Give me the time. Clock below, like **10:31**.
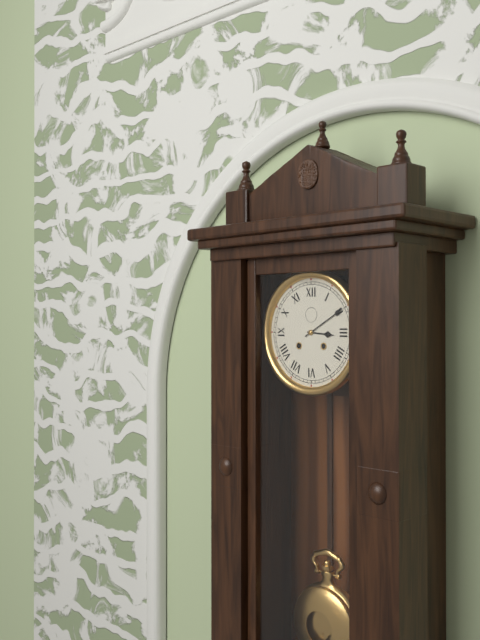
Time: **3:10**
